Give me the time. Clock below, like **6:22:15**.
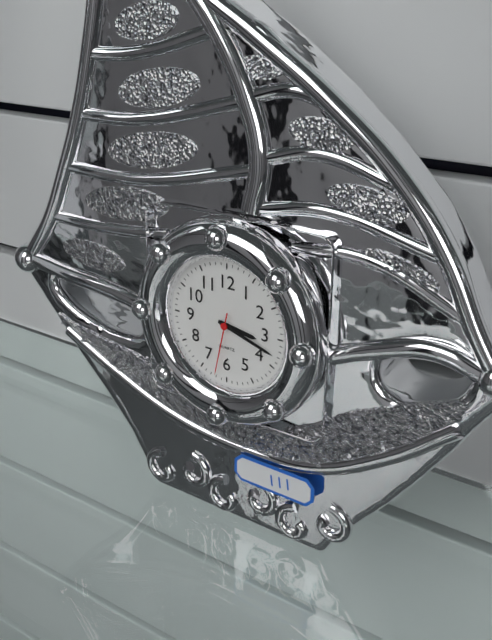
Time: **3:18:32**
